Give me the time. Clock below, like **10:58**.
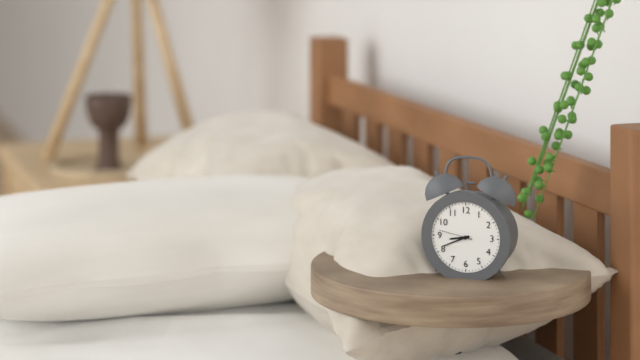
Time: **8:41**
